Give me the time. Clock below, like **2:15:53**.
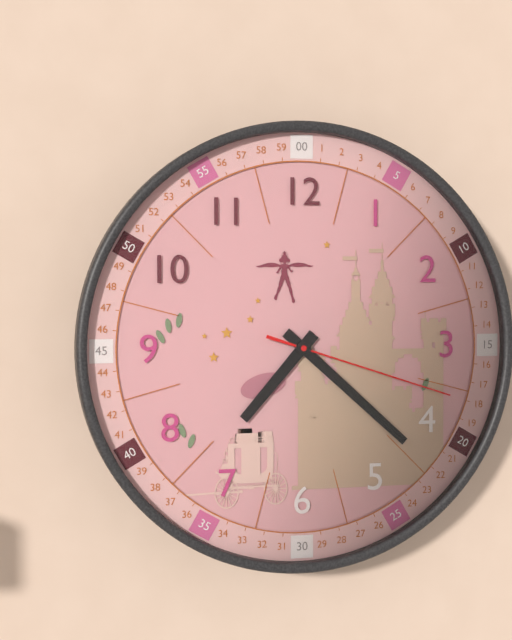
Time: **7:22:18**
